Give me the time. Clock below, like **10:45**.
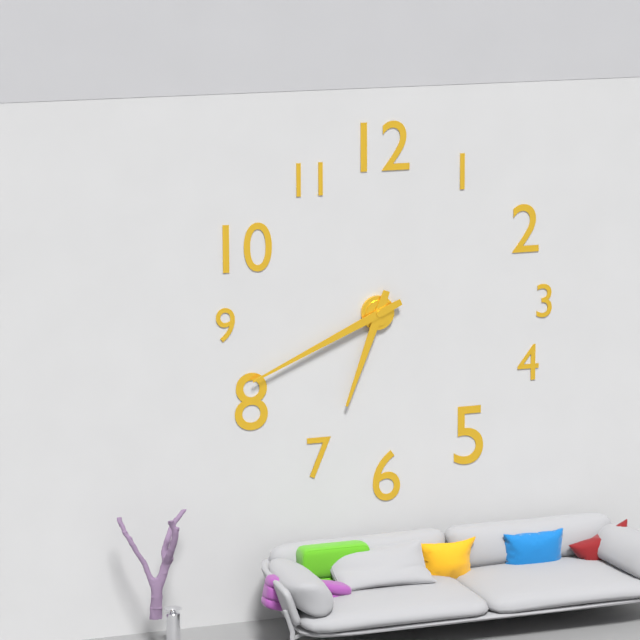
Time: **6:41**
